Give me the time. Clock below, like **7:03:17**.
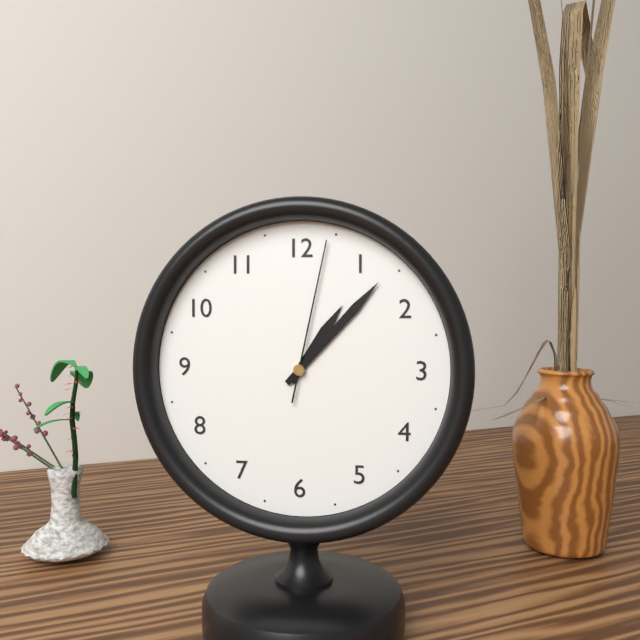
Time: **1:07:02**
